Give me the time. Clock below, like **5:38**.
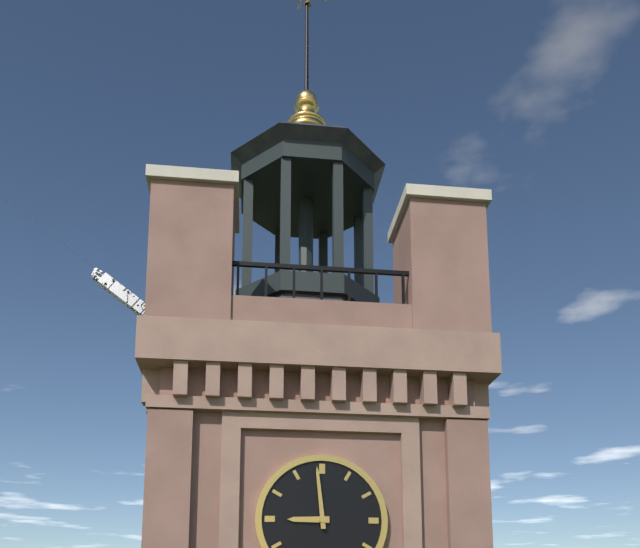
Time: **8:59**
